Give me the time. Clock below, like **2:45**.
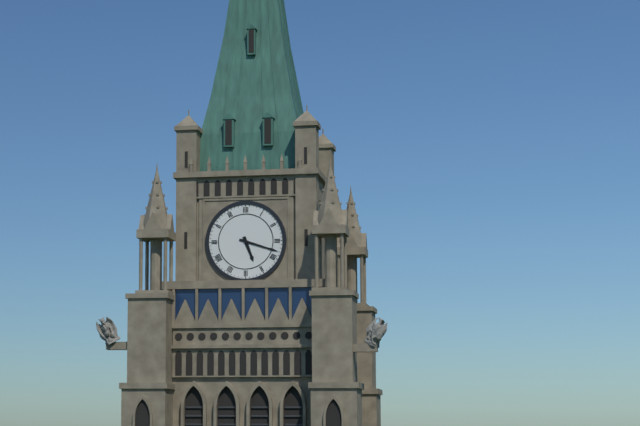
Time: **5:18**
